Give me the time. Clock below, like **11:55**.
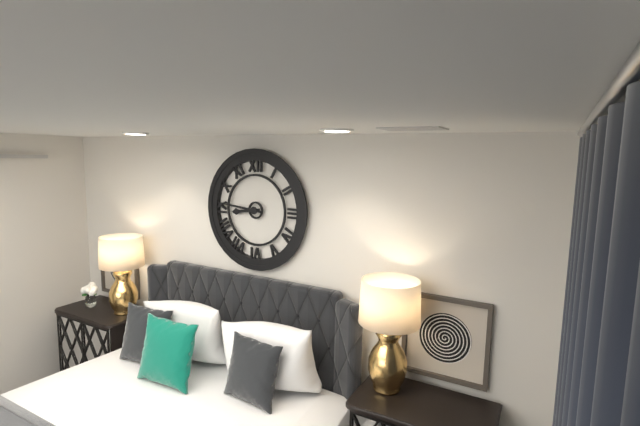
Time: **8:46**
